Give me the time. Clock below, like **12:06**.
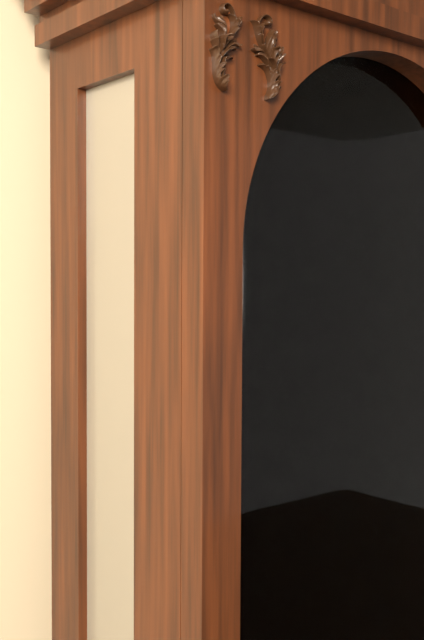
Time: **12:00**
